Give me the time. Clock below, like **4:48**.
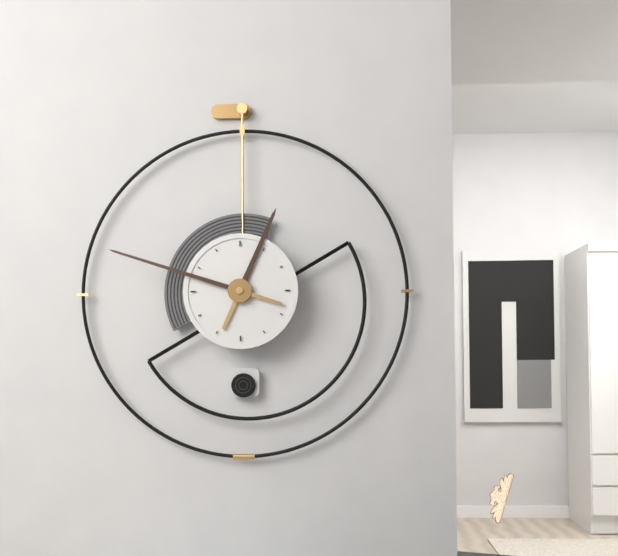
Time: **12:48**
